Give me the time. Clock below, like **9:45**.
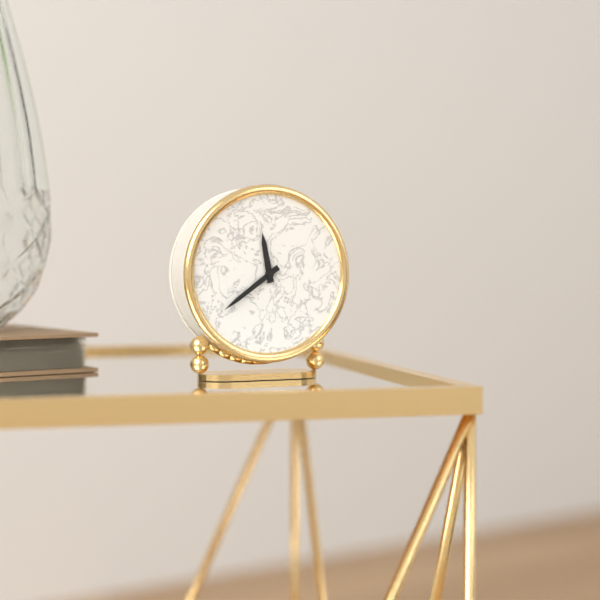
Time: **11:39**
